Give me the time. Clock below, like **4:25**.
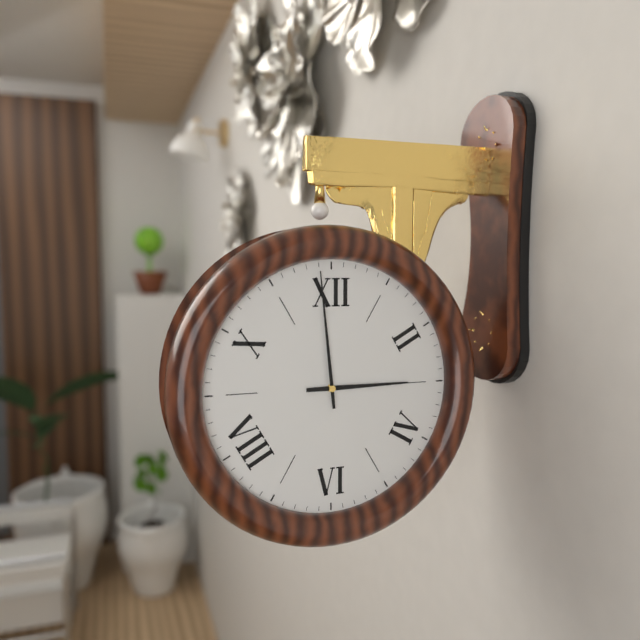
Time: **2:59**
